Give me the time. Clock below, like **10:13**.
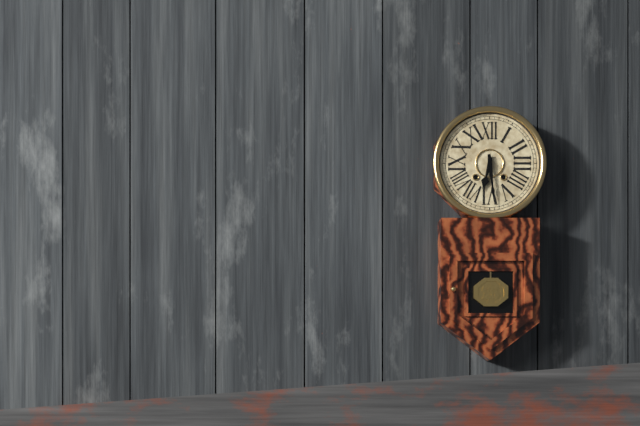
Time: **6:29**
